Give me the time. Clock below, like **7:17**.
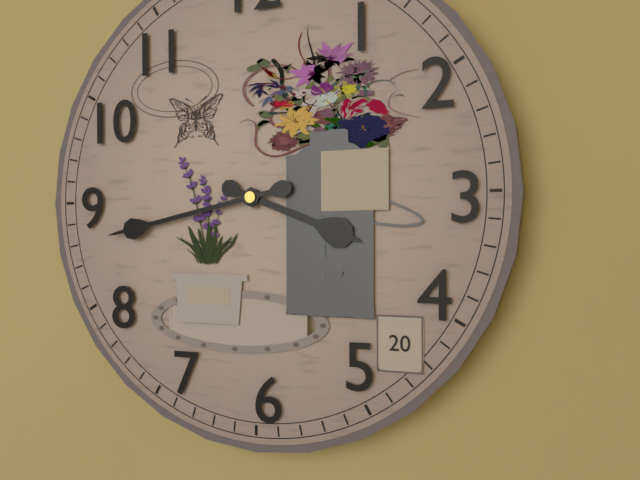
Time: **3:43**
